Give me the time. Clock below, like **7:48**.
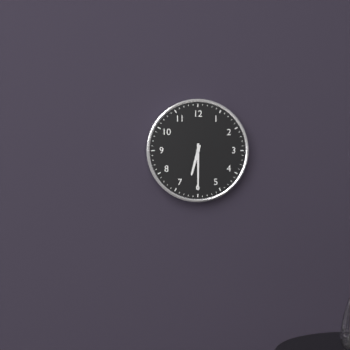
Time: **6:30**
